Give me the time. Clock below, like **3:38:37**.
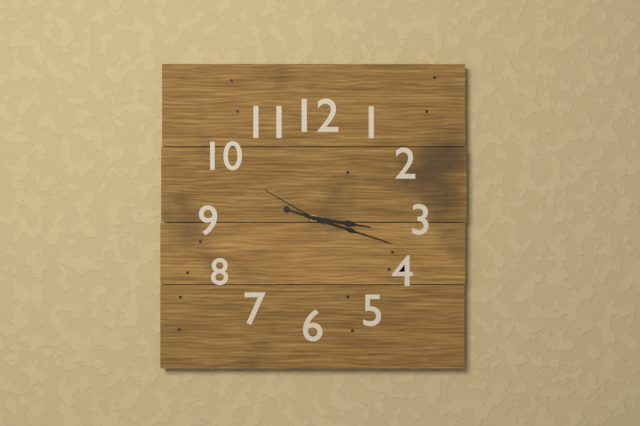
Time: **3:18:50**
